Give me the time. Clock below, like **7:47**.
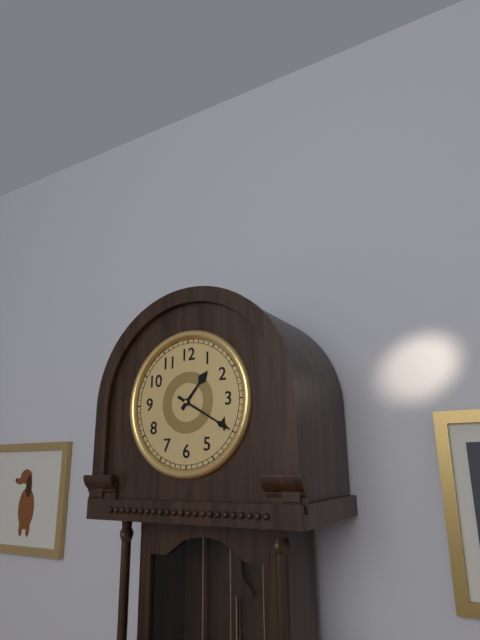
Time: **1:20**
